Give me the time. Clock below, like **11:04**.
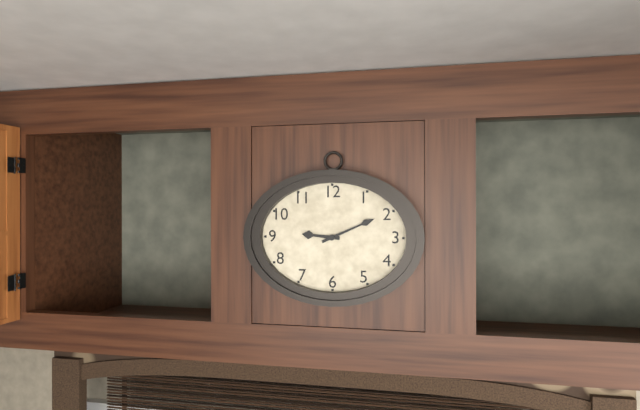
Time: **9:11**
